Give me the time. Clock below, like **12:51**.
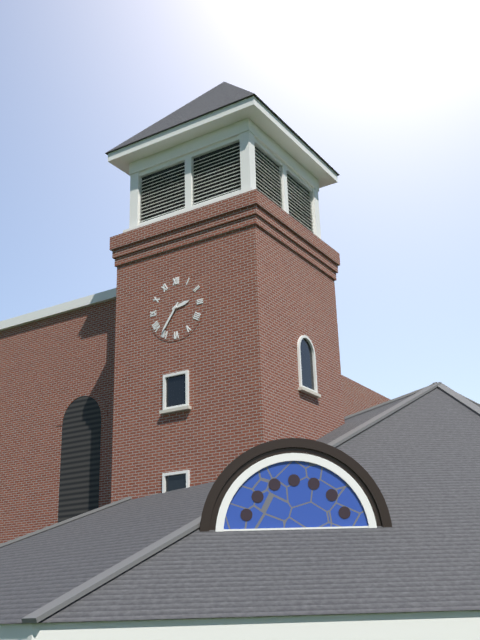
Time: **2:36**
